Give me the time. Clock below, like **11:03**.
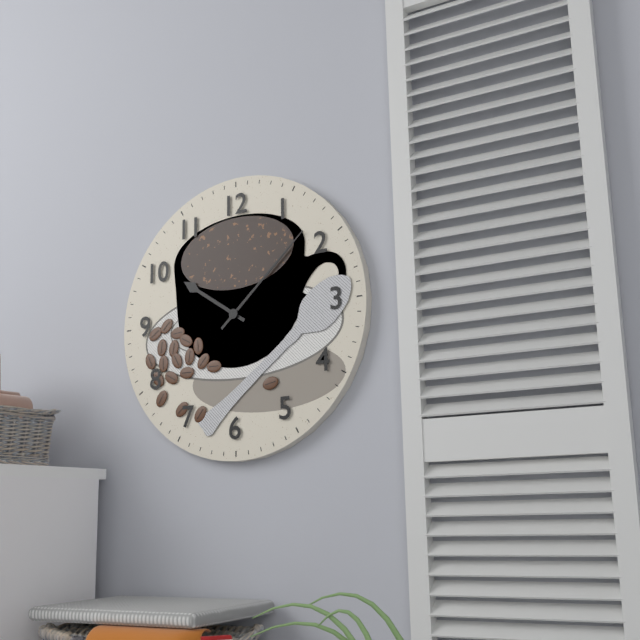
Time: **10:08**
